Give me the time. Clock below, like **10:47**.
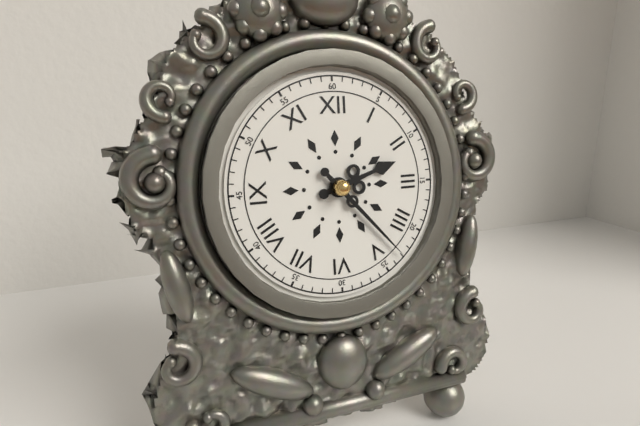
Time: **2:23**
